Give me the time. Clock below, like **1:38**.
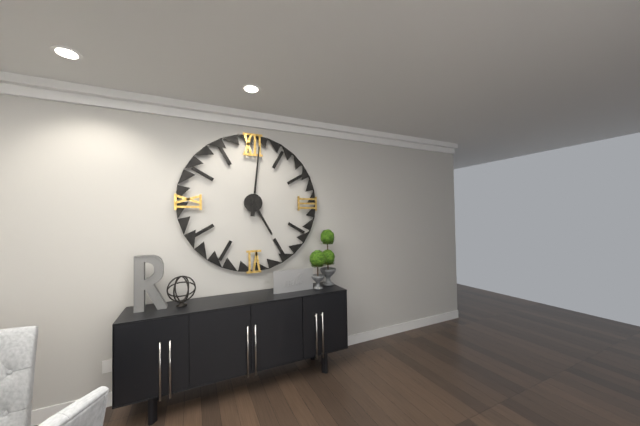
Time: **5:01**
